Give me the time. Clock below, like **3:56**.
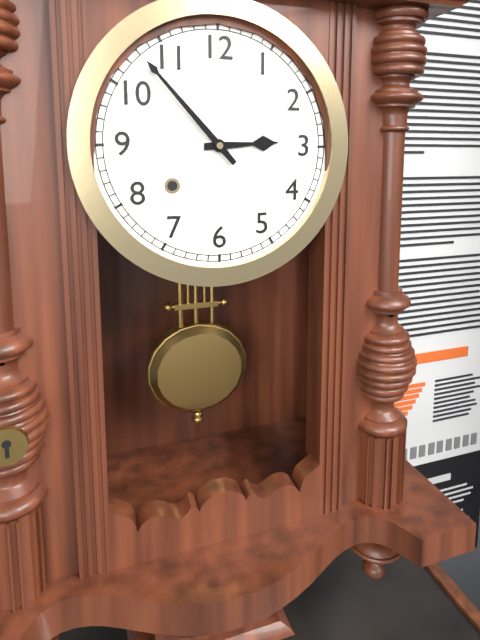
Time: **2:53**
